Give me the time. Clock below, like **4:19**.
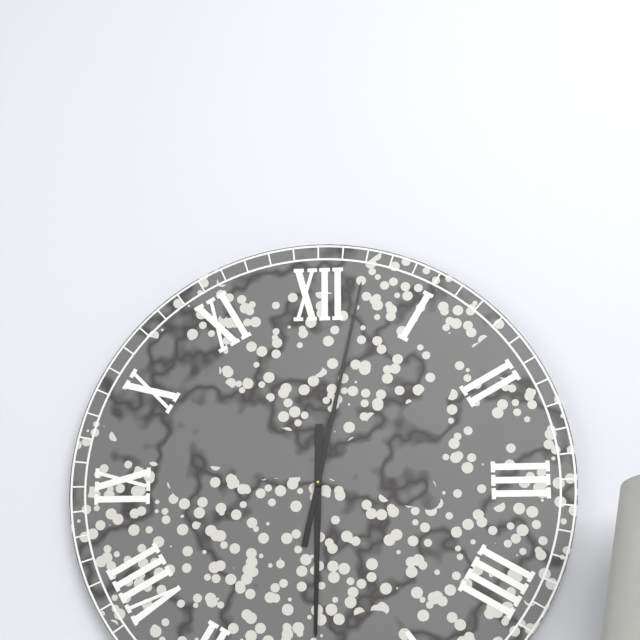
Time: **6:02**
